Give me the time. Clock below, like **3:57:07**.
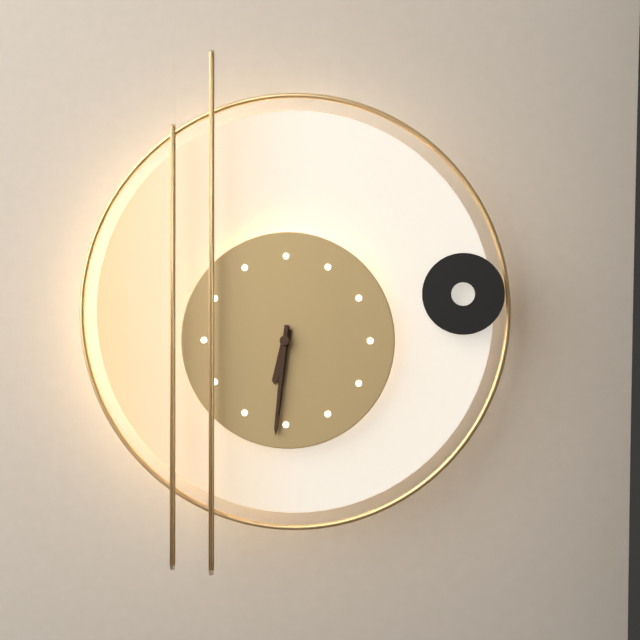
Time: **6:31:31**
